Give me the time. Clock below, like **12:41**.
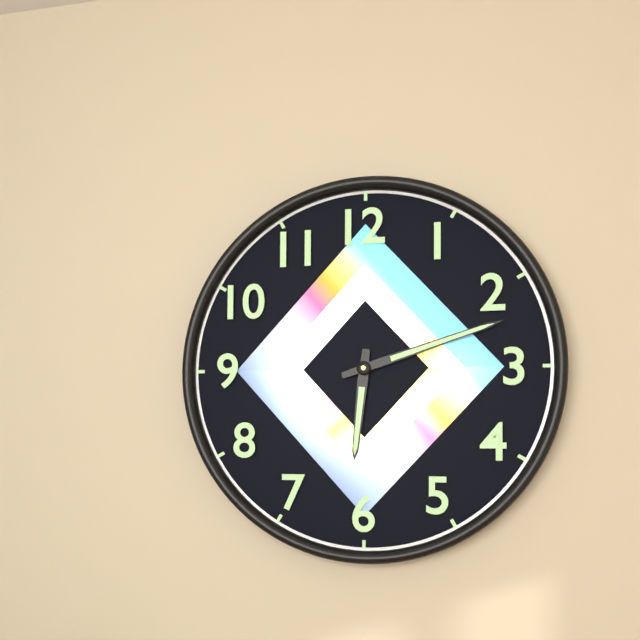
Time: **6:12**
